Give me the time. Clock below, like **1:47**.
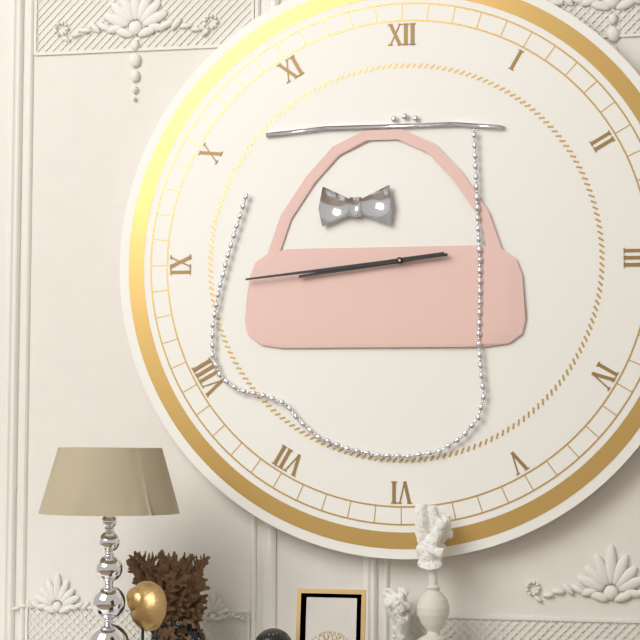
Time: **8:44**
